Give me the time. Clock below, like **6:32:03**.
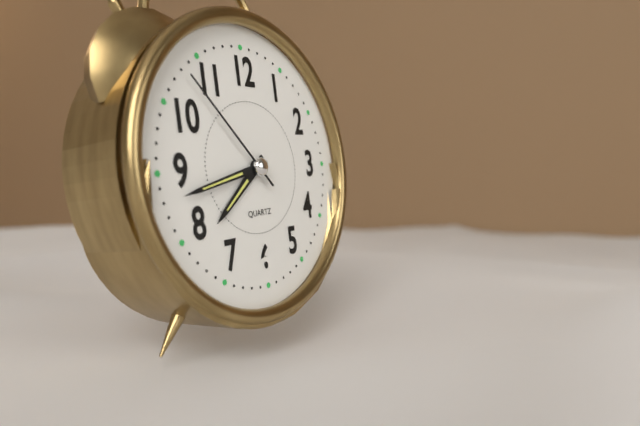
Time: **7:43:53**
